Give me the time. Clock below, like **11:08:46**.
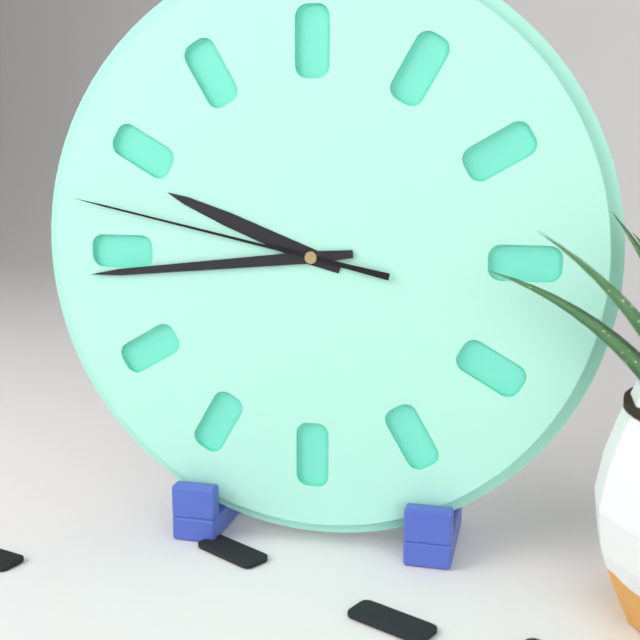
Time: **9:44:47**
